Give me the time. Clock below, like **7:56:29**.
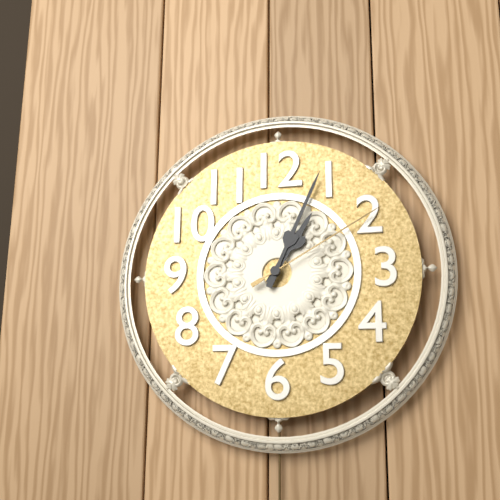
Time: **1:04:10**
